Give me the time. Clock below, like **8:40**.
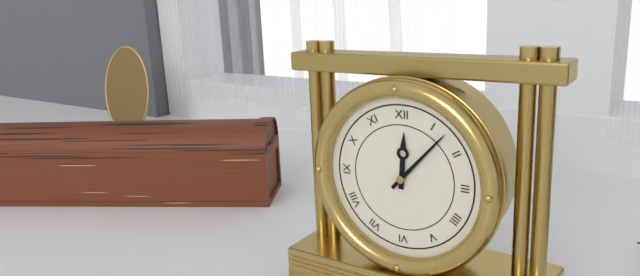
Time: **12:07**
